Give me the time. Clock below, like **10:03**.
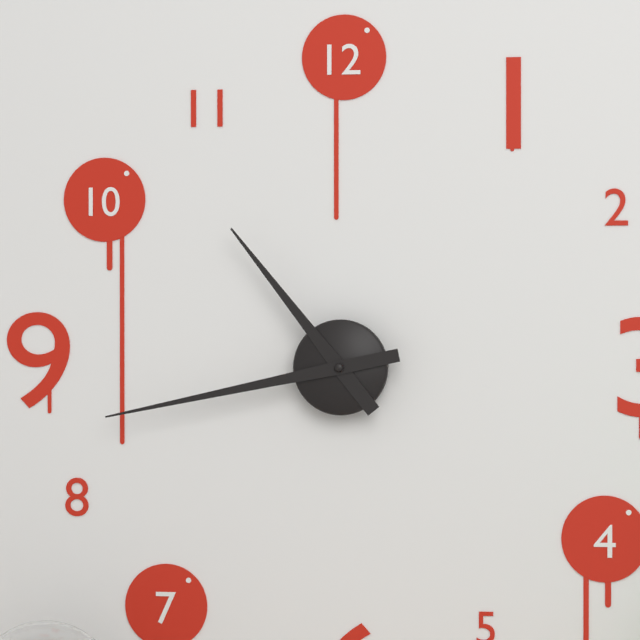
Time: **10:43**
